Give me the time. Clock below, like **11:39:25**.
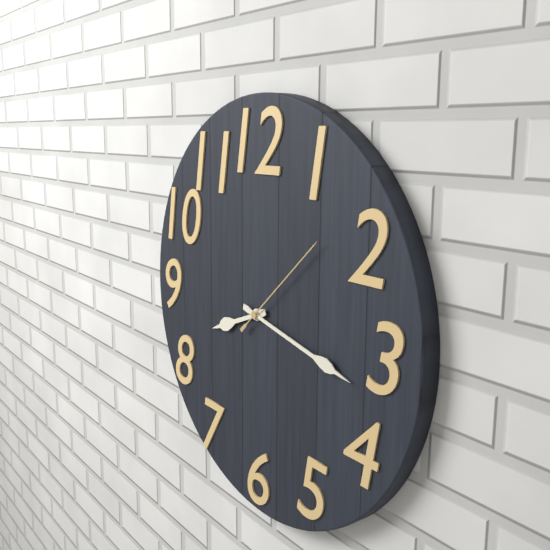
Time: **8:17:08**
